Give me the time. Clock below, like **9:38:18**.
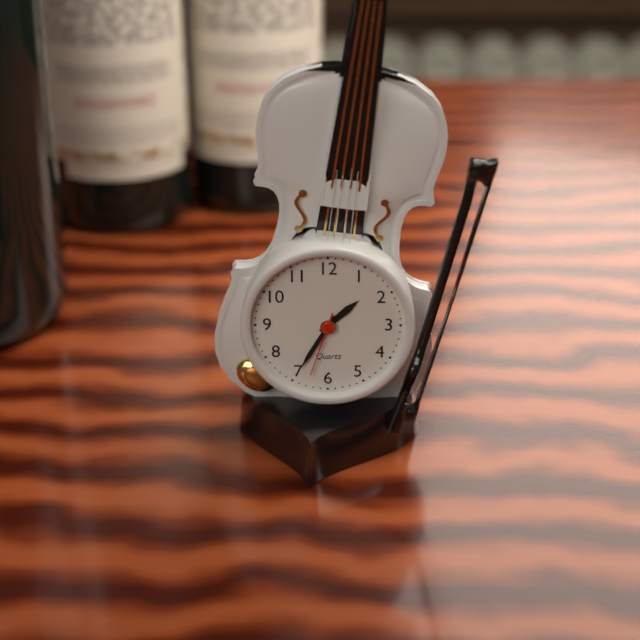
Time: **1:35:33**
